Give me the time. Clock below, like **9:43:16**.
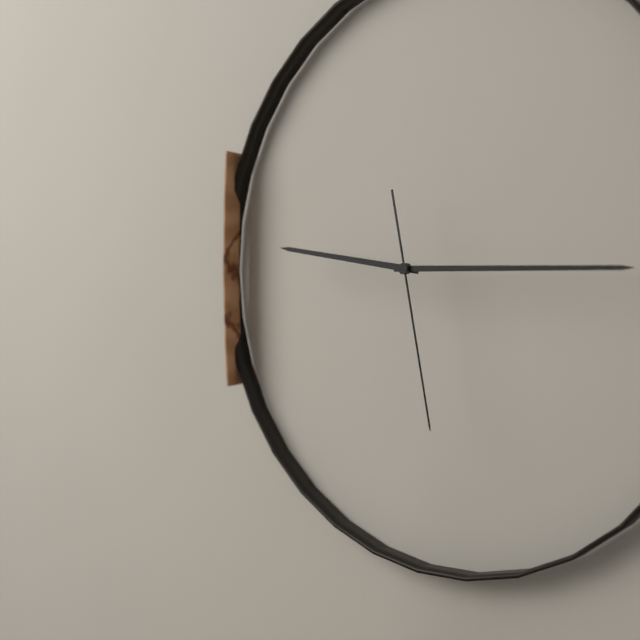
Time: **9:15:28**
